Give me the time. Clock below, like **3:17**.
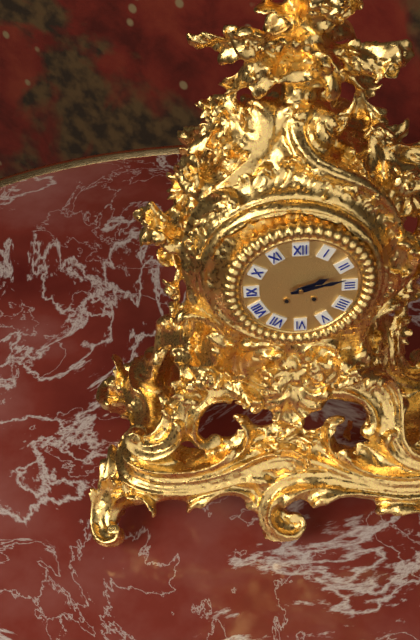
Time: **2:13**
